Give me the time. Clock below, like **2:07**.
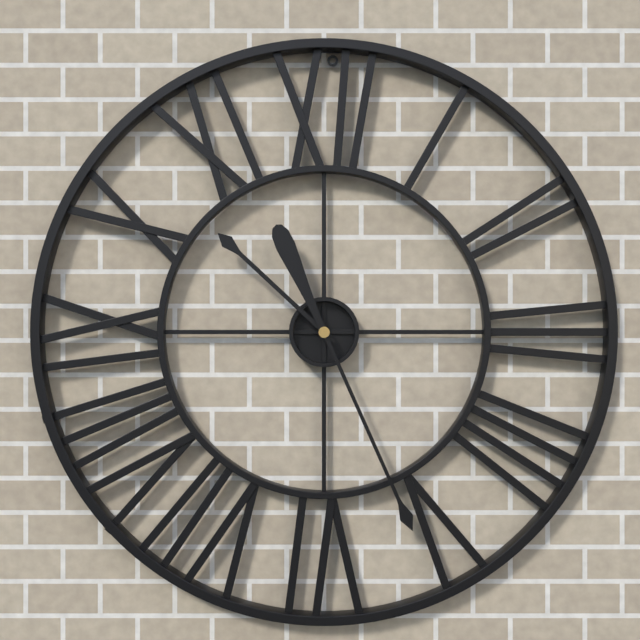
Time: **10:26**
